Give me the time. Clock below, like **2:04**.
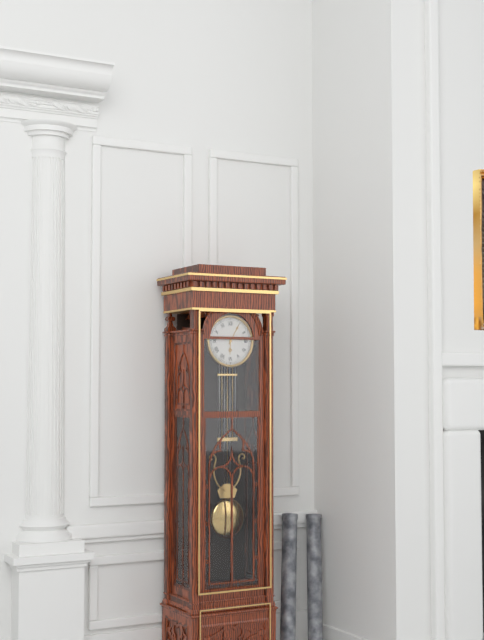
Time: **6:05**
